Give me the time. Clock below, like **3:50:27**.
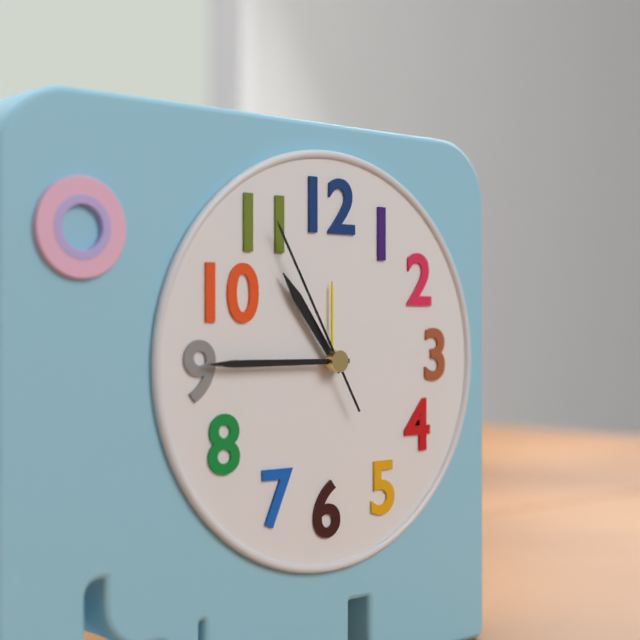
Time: **10:45:55**
